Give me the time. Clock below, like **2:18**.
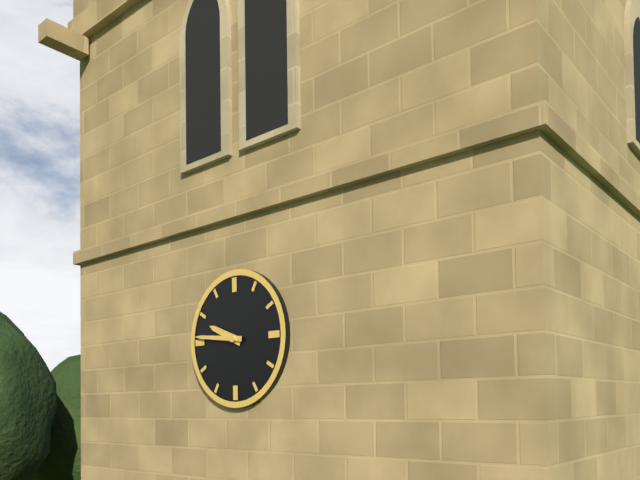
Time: **9:46**
